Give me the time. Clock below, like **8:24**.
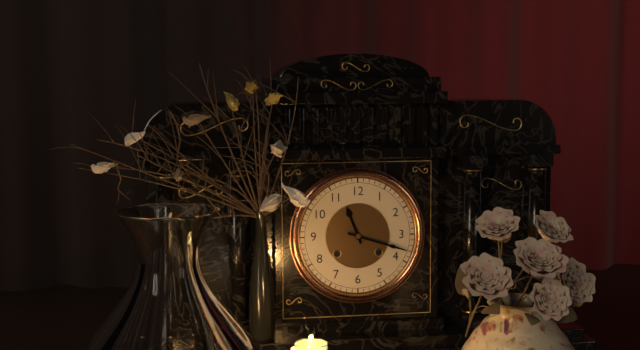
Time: **11:18**
